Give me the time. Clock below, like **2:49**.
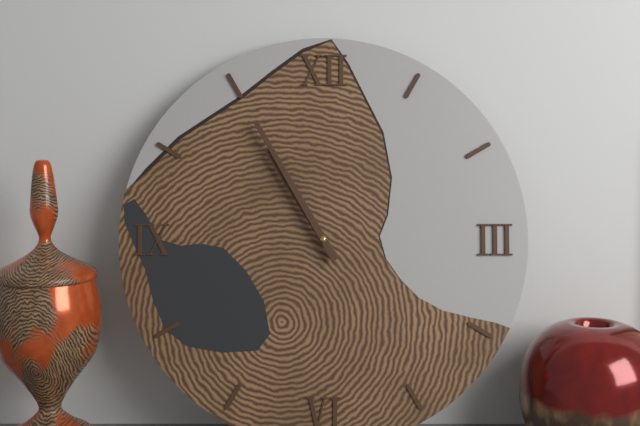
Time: **10:55**
